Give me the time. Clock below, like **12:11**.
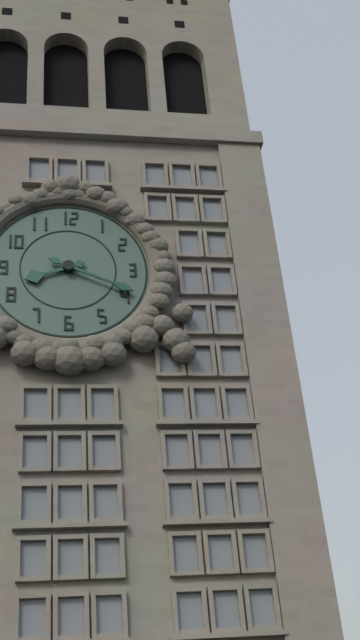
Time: **8:19**
